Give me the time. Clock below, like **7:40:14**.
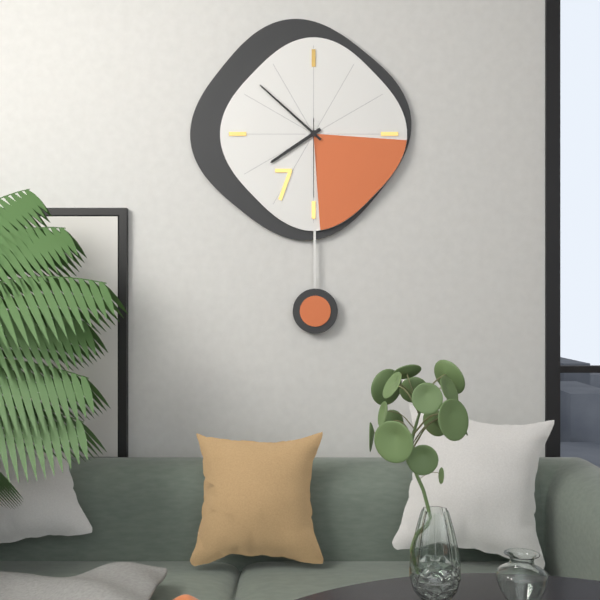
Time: **7:52:30**
